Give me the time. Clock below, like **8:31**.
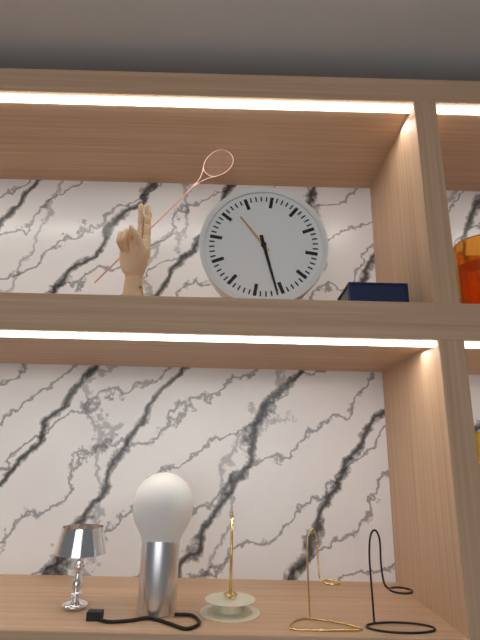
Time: **10:26**
